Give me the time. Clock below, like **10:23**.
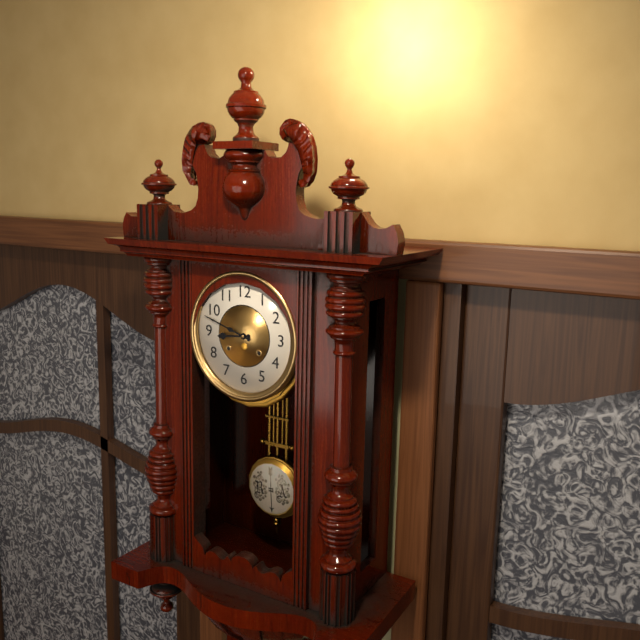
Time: **8:48**
